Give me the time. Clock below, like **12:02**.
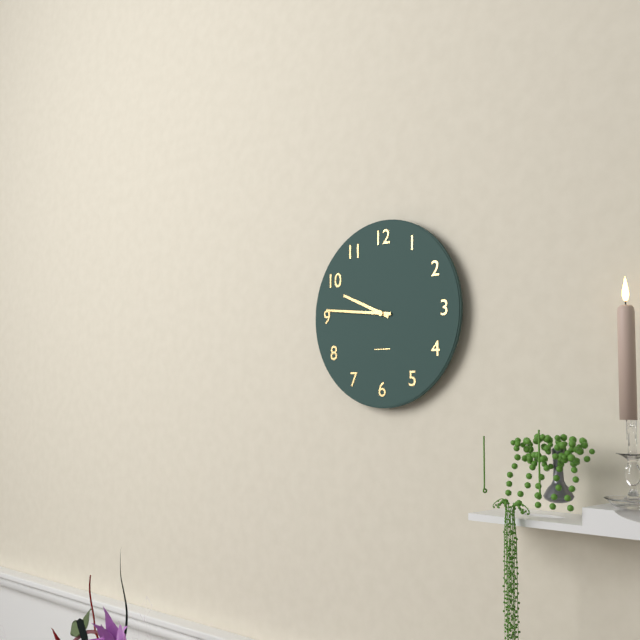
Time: **9:46**
